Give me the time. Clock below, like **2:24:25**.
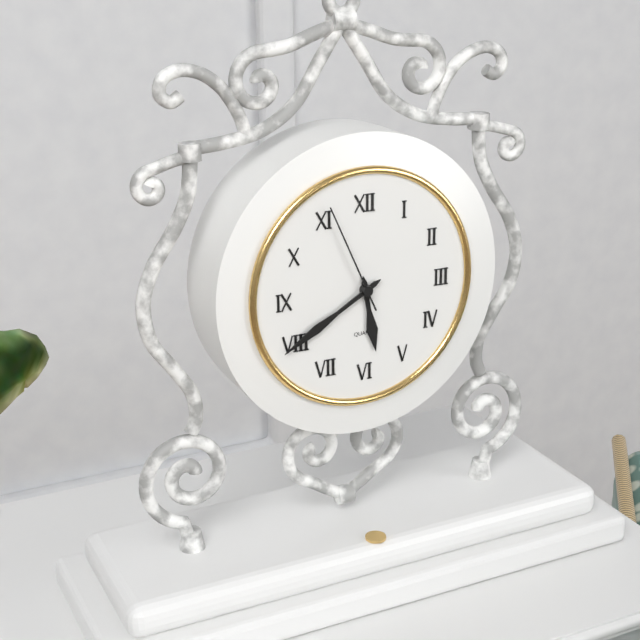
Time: **5:40:56**
